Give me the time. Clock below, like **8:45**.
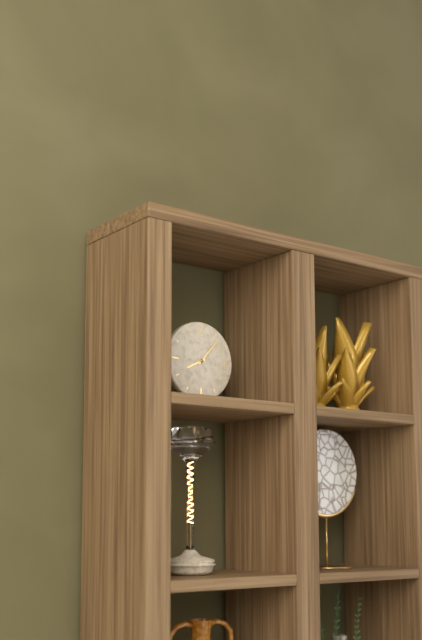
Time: **8:07**
